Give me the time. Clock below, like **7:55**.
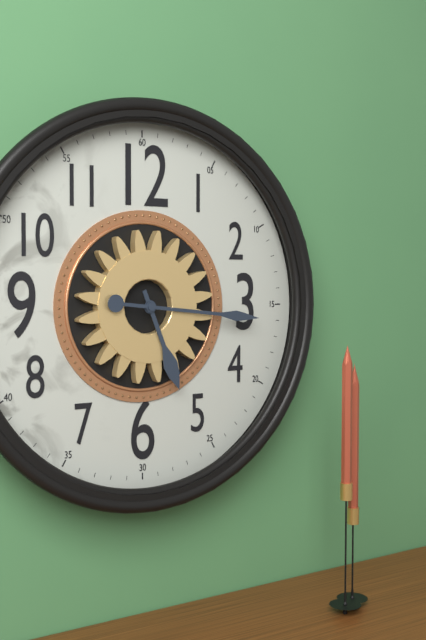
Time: **5:16**
